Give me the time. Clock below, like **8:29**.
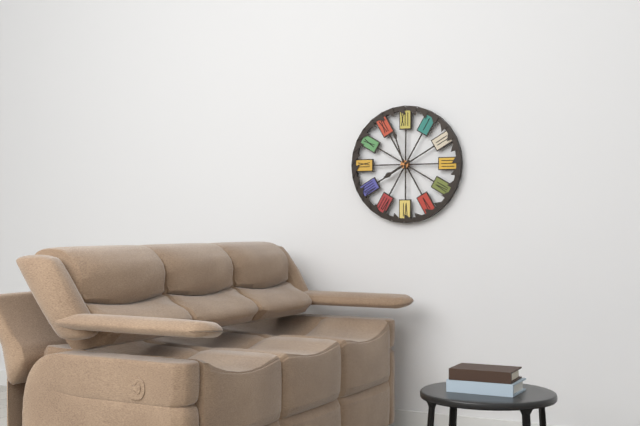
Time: **7:57**
